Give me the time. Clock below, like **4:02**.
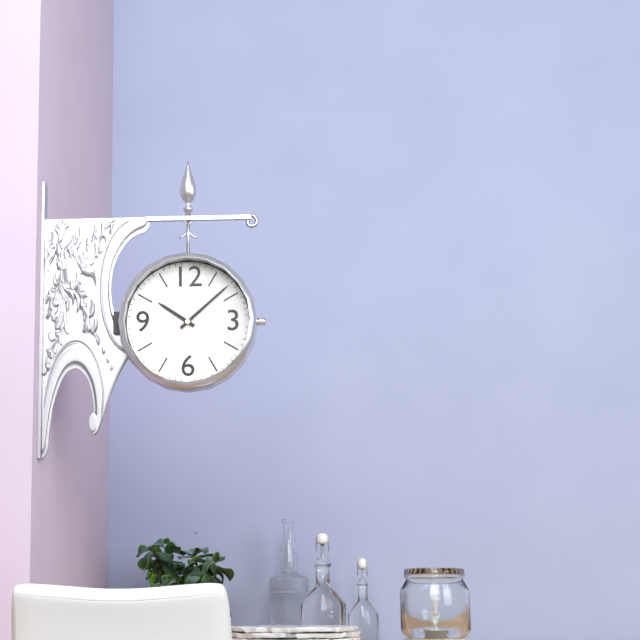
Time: **10:08**
